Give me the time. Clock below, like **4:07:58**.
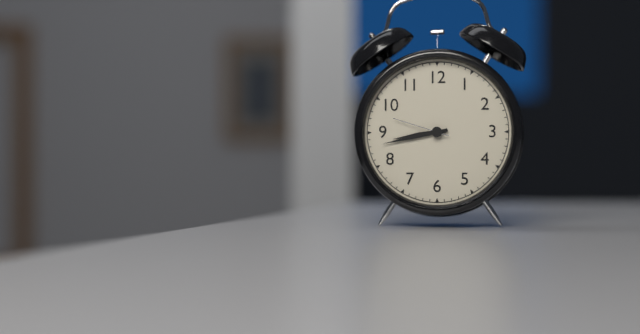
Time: **8:43:48**
